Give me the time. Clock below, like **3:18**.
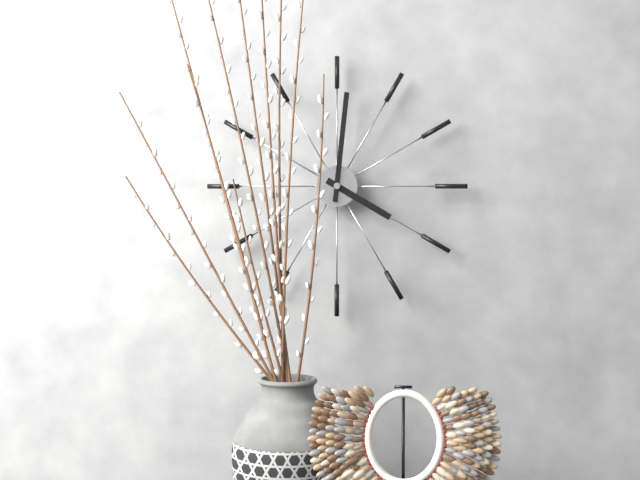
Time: **4:01**
